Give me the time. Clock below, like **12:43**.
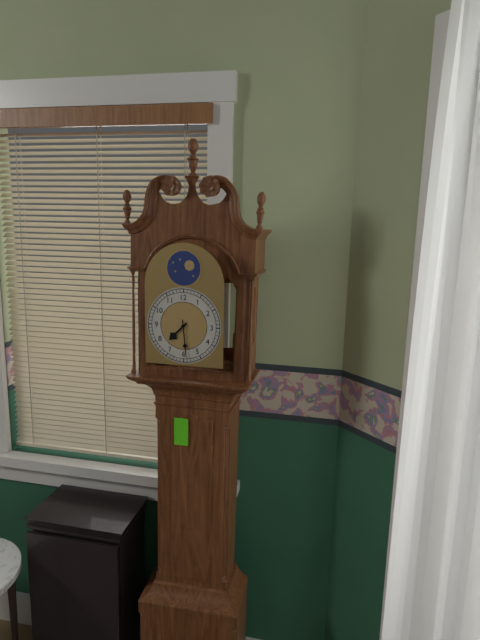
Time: **7:29**
